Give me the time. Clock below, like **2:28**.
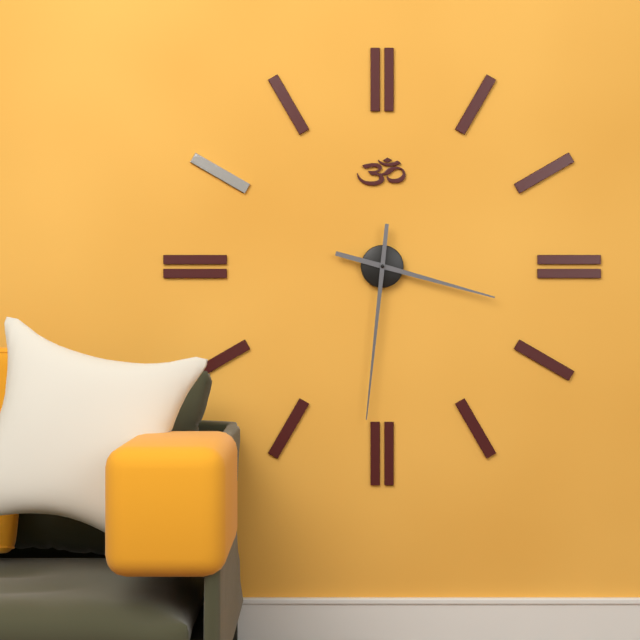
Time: **3:31**
